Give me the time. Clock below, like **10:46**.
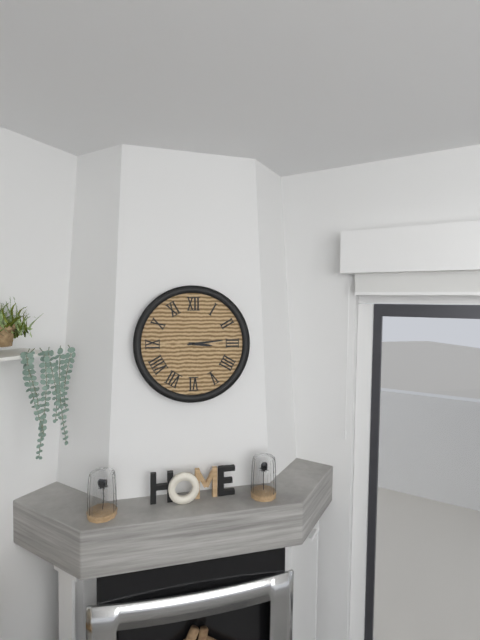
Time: **3:14**
